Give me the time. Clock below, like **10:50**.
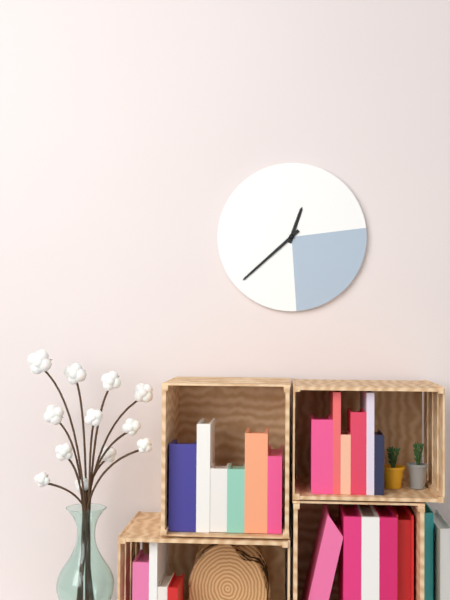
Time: **12:38**
